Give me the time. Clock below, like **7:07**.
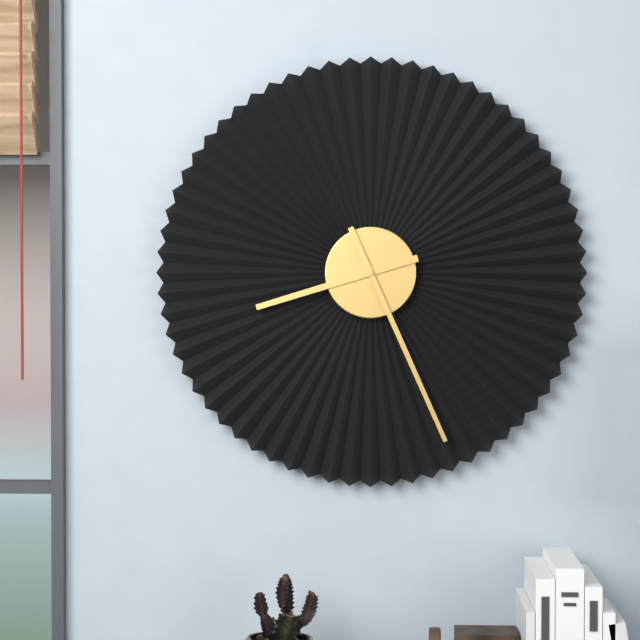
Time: **8:26**
